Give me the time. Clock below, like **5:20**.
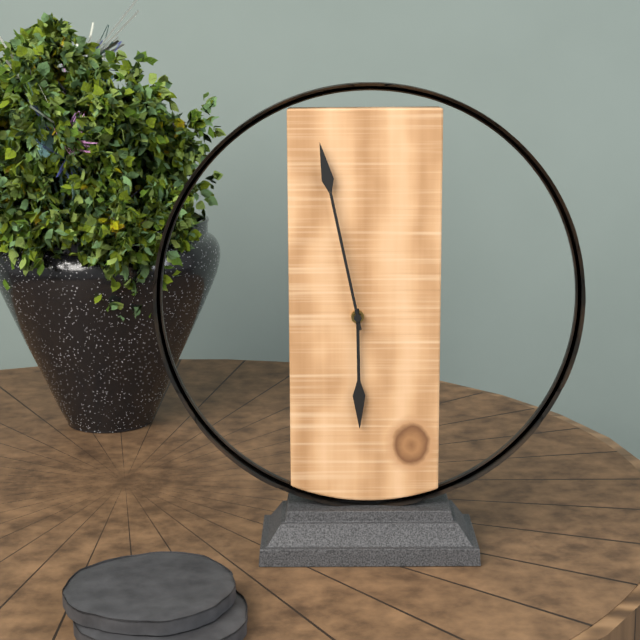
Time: **5:58**
